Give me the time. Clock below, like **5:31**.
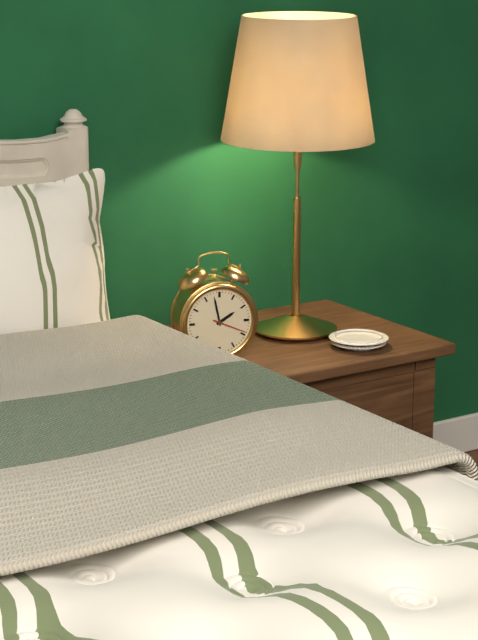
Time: **1:58**
